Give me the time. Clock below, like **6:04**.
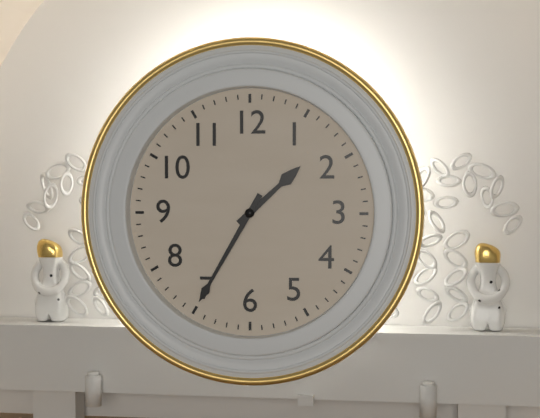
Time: **1:35**
